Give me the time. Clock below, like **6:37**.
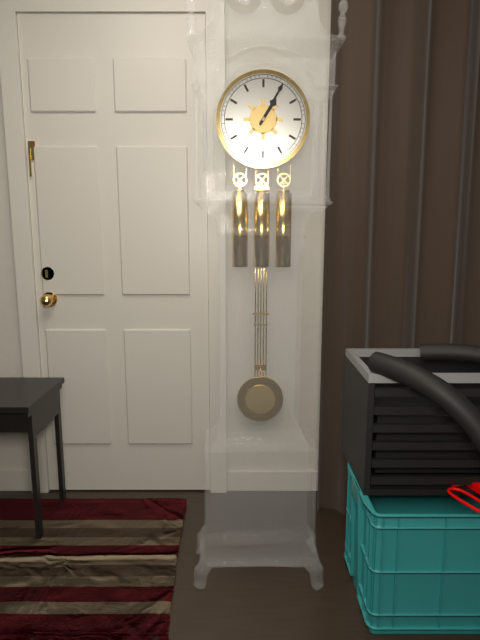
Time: **1:05**
